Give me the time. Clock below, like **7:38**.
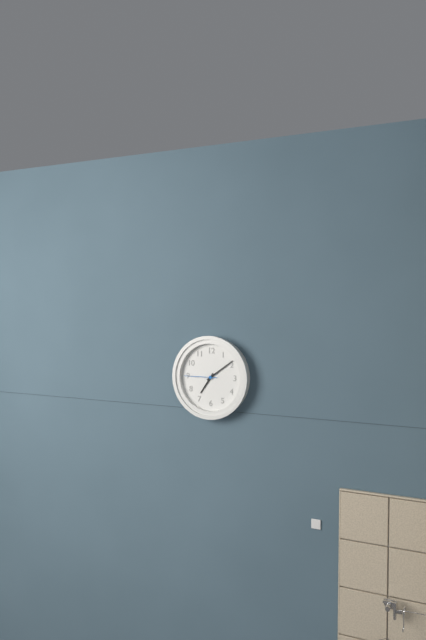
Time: **7:09**
